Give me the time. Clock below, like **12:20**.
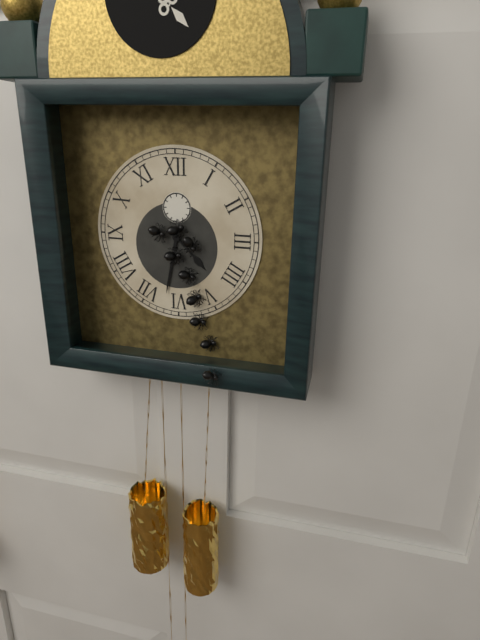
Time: **4:32**
